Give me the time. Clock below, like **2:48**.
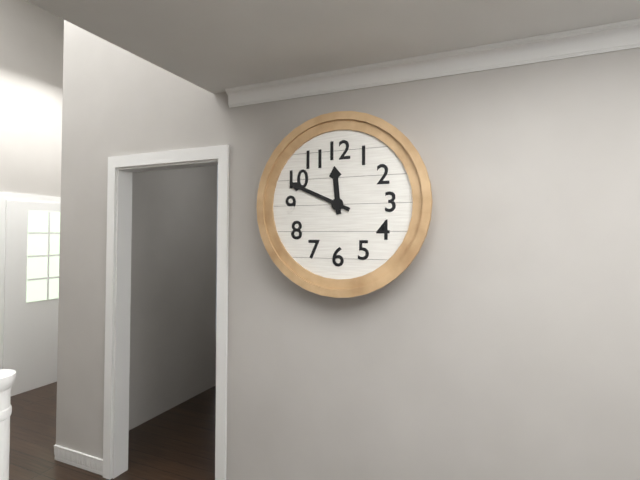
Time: **11:49**
